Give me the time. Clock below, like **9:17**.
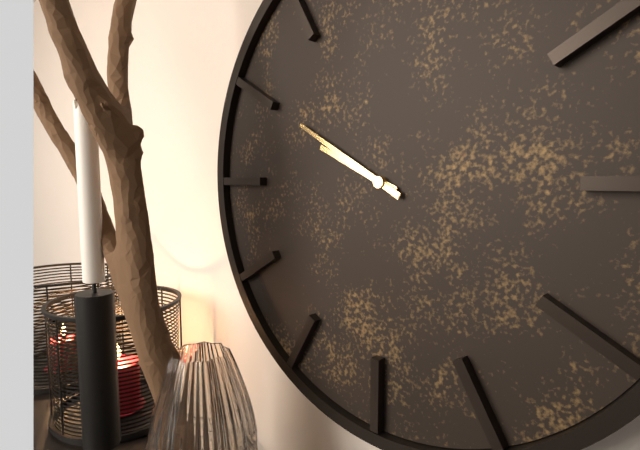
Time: **9:50**
